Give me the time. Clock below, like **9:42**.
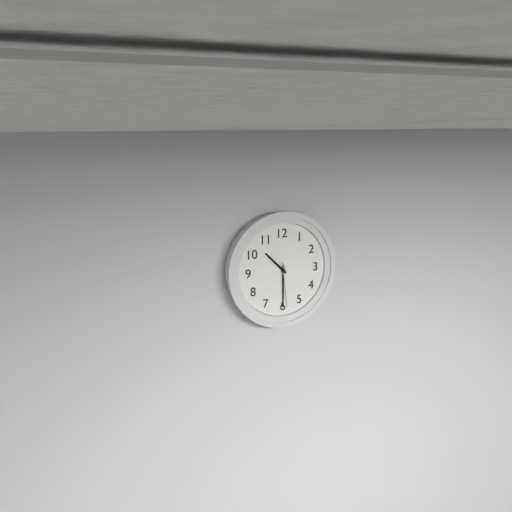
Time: **10:30**
